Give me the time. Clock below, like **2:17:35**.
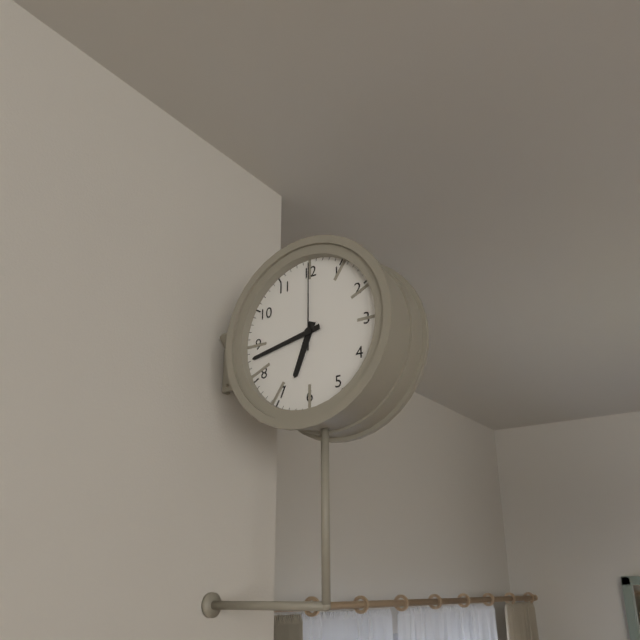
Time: **6:43:00**
